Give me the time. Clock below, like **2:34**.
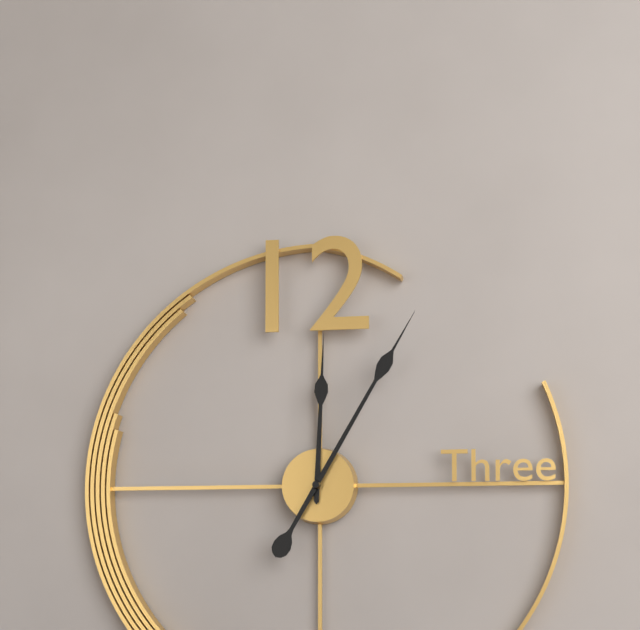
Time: **12:05**
